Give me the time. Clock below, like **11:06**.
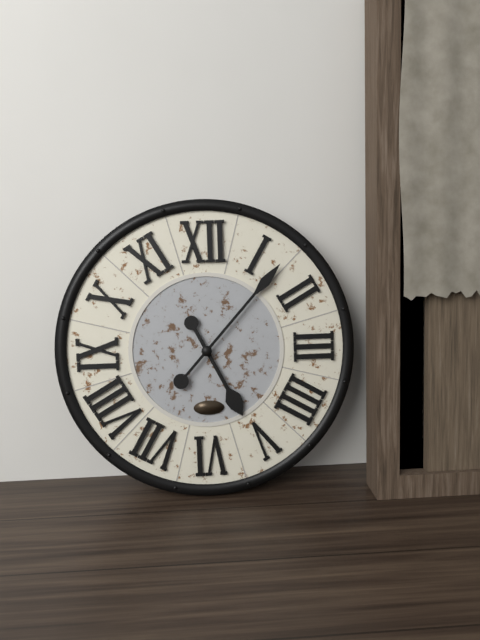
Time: **5:07**
